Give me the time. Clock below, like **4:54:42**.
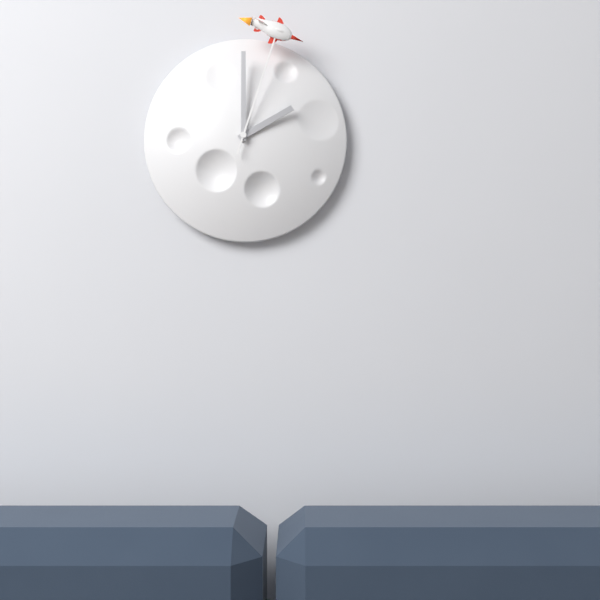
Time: **2:00:03**
